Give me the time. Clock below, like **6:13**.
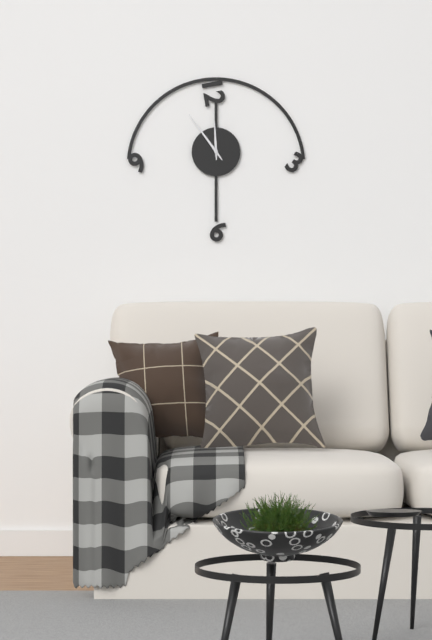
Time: **11:54**
